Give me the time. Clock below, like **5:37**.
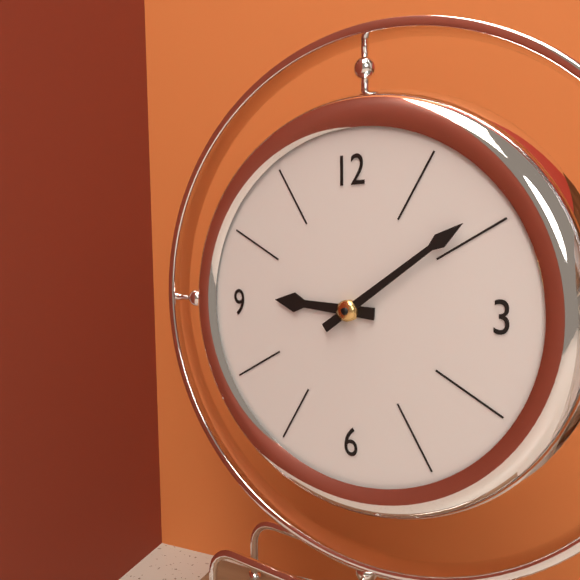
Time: **9:09**
